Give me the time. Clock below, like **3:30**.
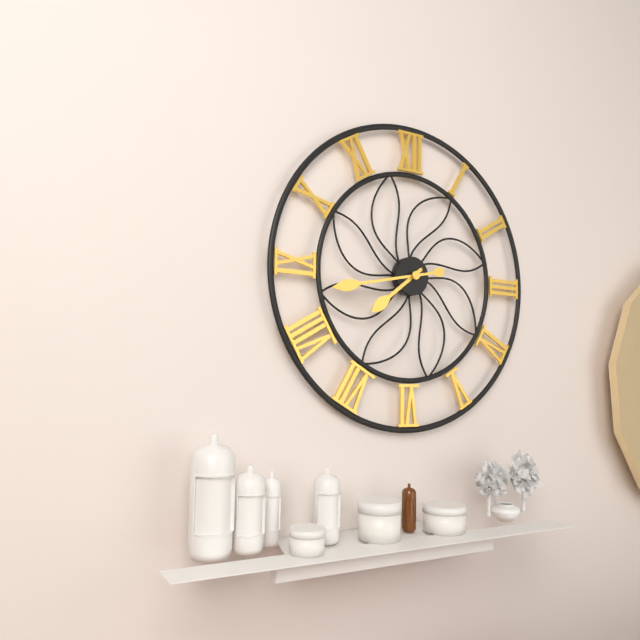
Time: **7:43**
